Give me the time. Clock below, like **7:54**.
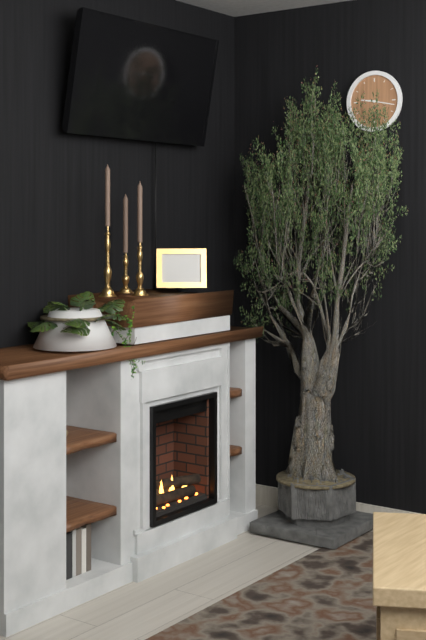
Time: **9:17**
